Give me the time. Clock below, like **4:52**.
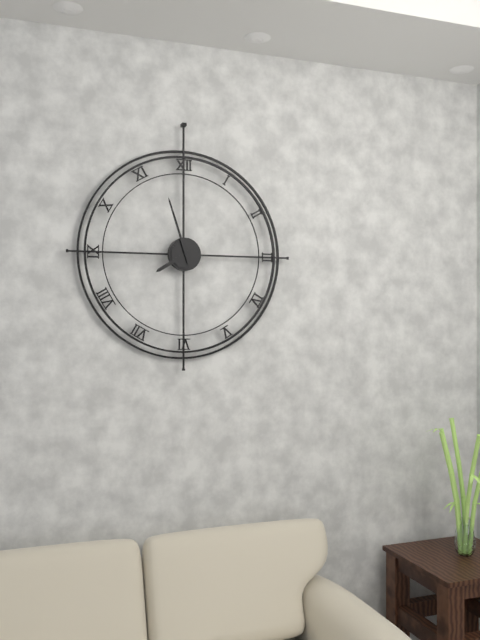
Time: **7:57**
